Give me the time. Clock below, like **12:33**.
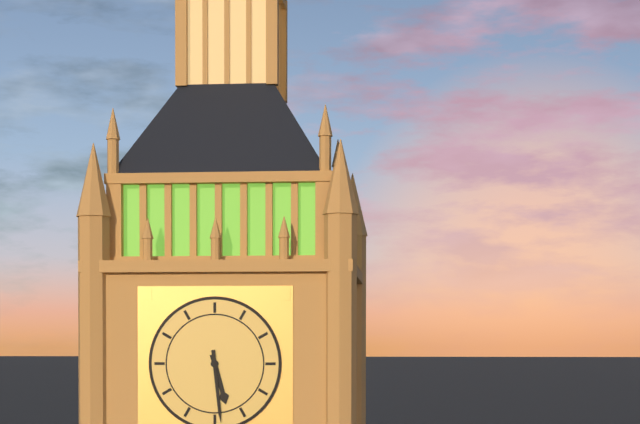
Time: **5:29**
